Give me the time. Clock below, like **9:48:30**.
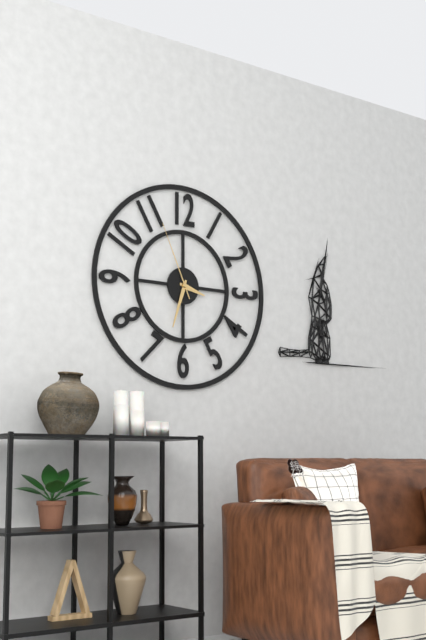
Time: **3:33:56**
